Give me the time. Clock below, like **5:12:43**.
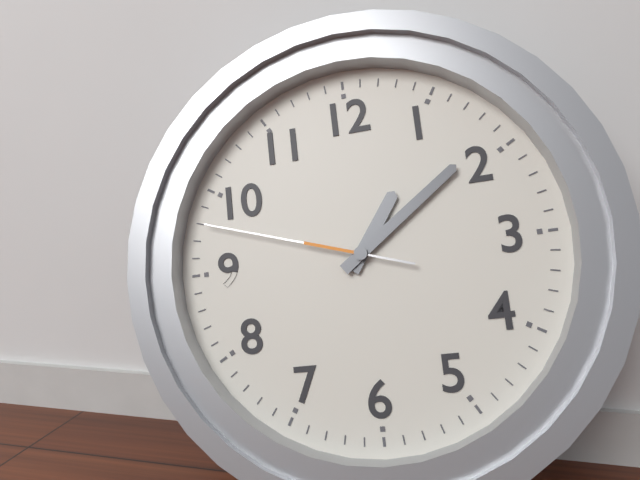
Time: **1:09:48**
